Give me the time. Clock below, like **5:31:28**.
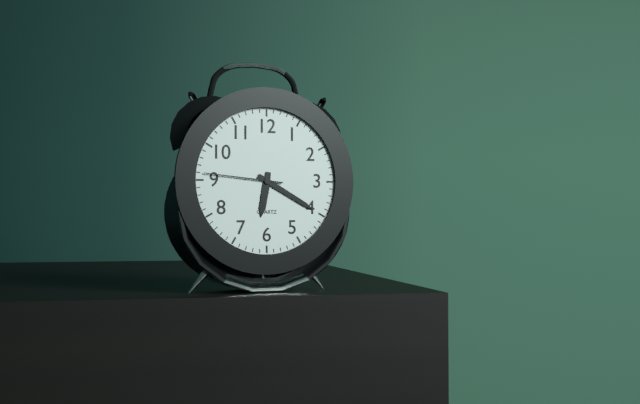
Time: **6:20:46**
